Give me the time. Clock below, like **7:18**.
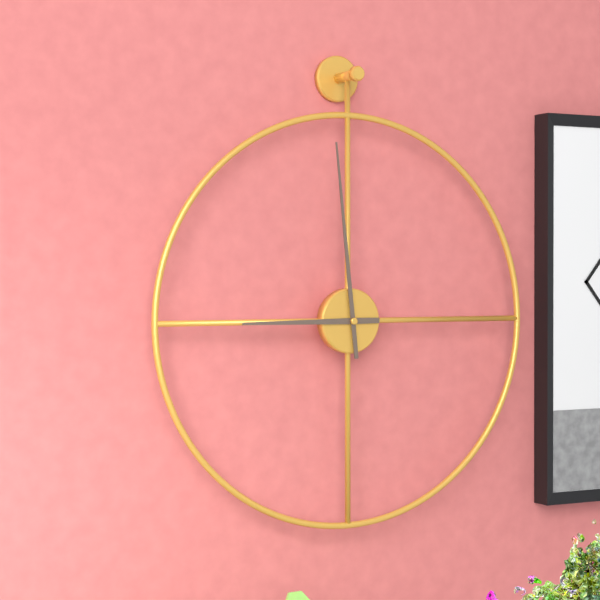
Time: **8:59**
